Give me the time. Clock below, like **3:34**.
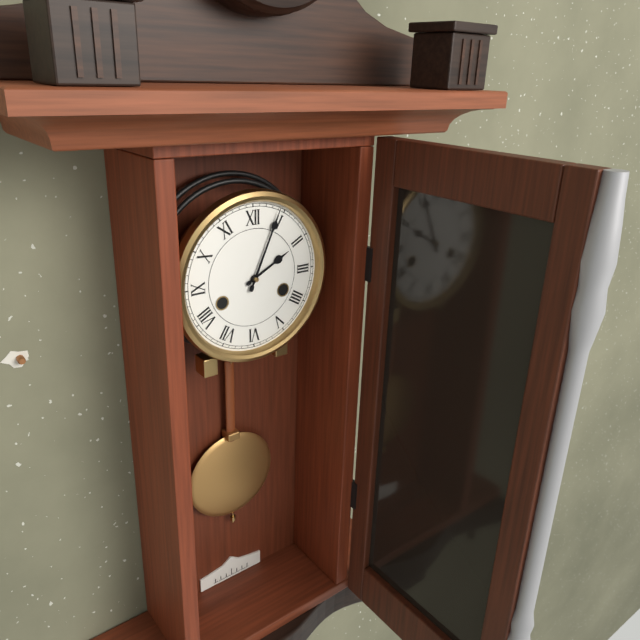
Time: **2:04**
